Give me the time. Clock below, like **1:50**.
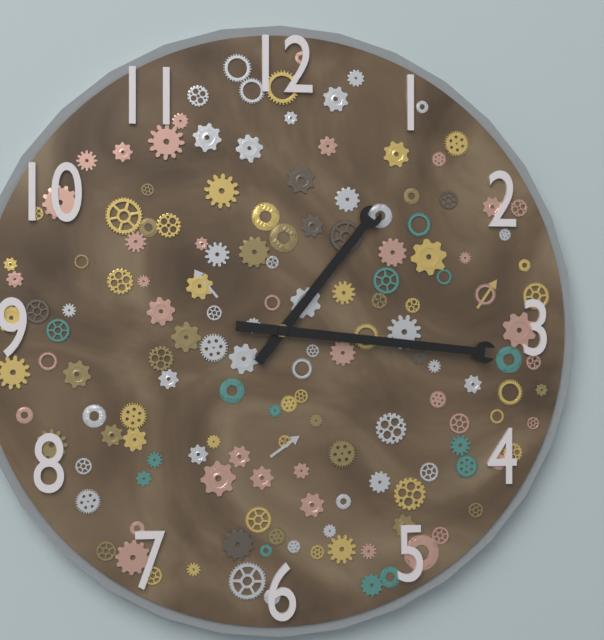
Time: **1:16**
